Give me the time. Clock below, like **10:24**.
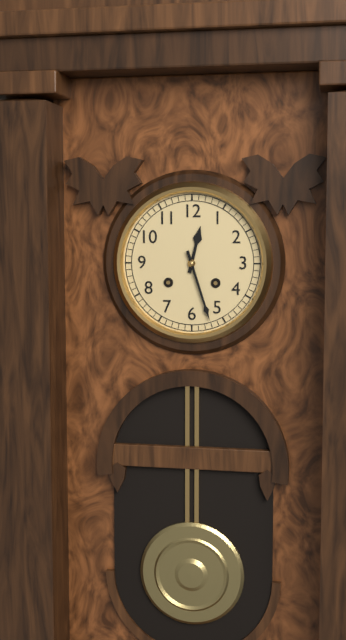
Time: **12:27**
